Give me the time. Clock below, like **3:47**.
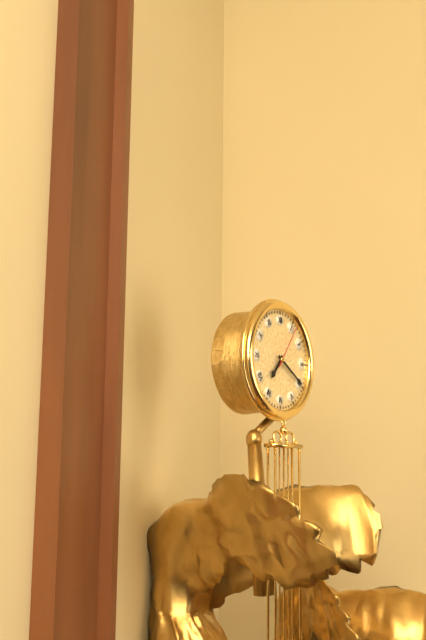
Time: **7:20**
